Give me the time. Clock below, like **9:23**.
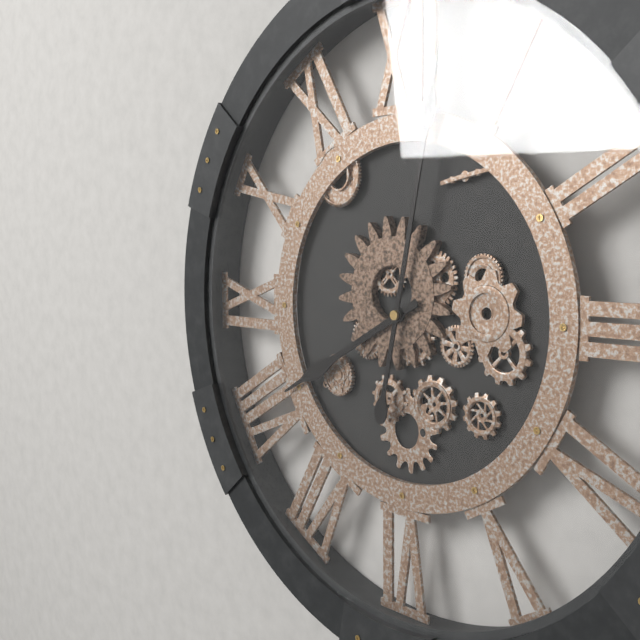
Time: **8:02**
